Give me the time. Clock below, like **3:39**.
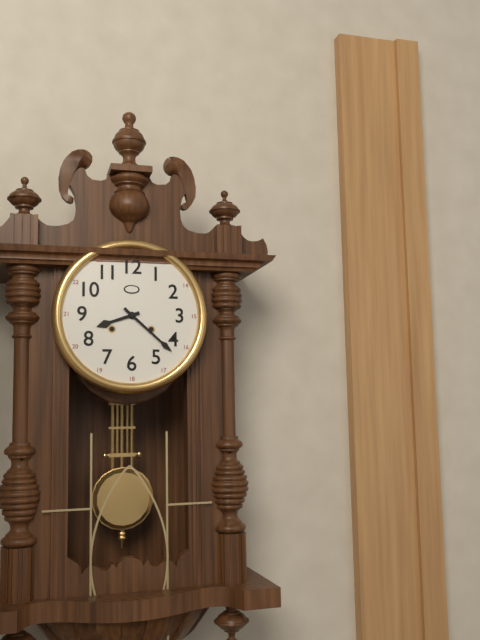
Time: **8:22**
